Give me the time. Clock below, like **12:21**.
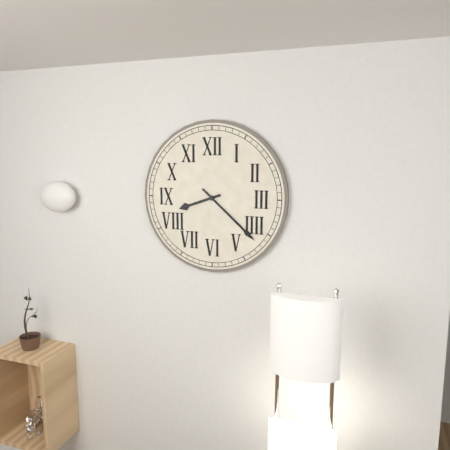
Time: **8:22**
